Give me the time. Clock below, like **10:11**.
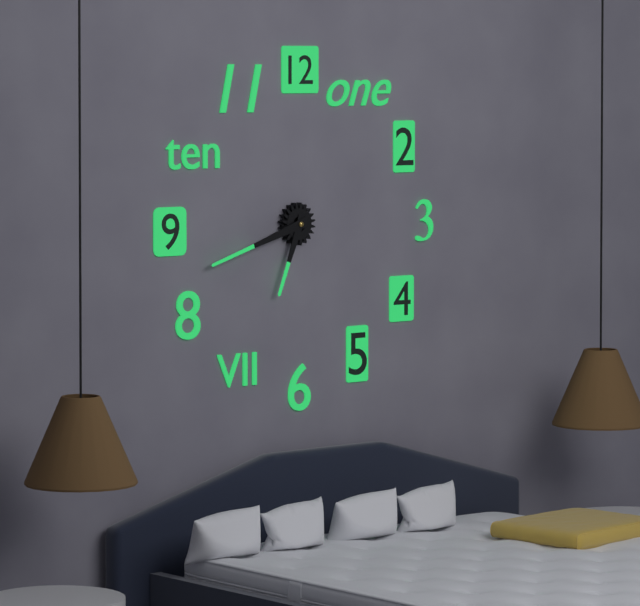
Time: **6:42**
